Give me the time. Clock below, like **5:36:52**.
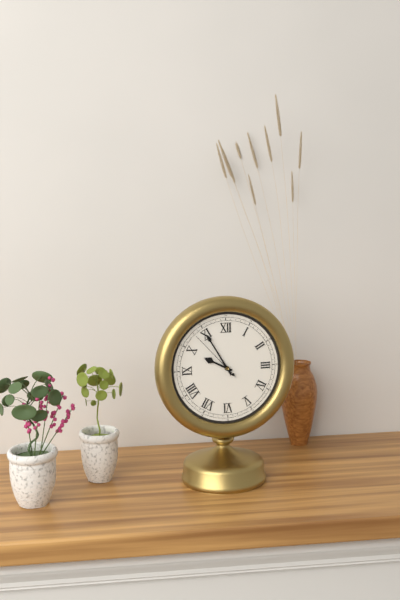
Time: **9:55:53**
